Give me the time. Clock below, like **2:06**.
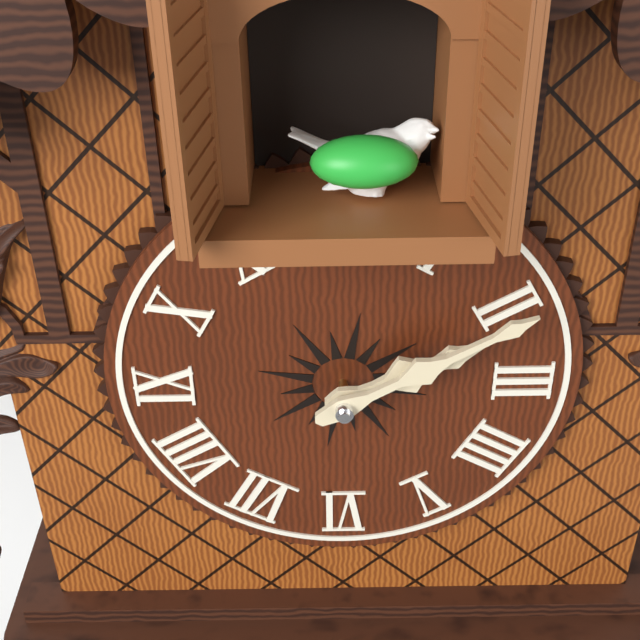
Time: **2:10**
